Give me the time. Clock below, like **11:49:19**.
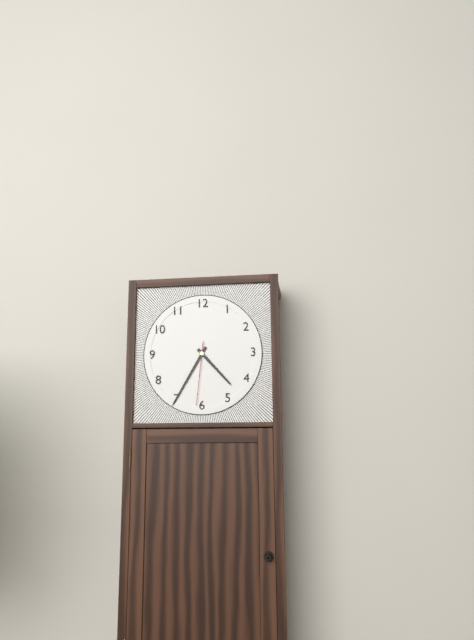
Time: **4:35:31**
